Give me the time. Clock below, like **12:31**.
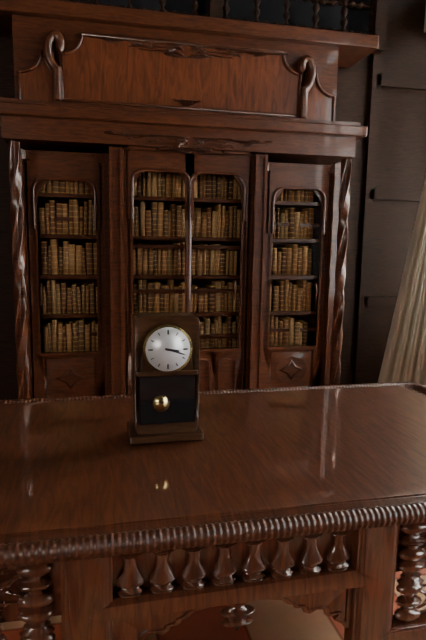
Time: **3:18**
